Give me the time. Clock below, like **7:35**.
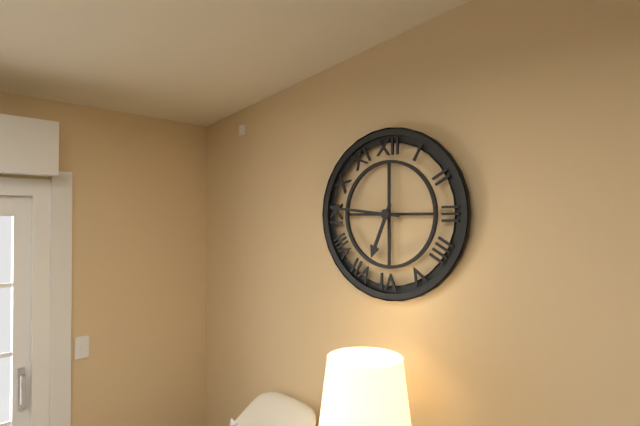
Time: **6:46**
